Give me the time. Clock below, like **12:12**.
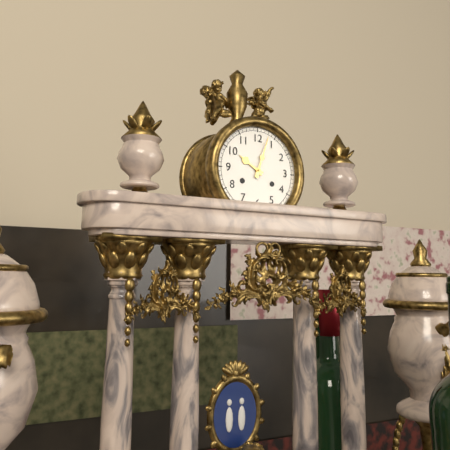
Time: **10:03**
